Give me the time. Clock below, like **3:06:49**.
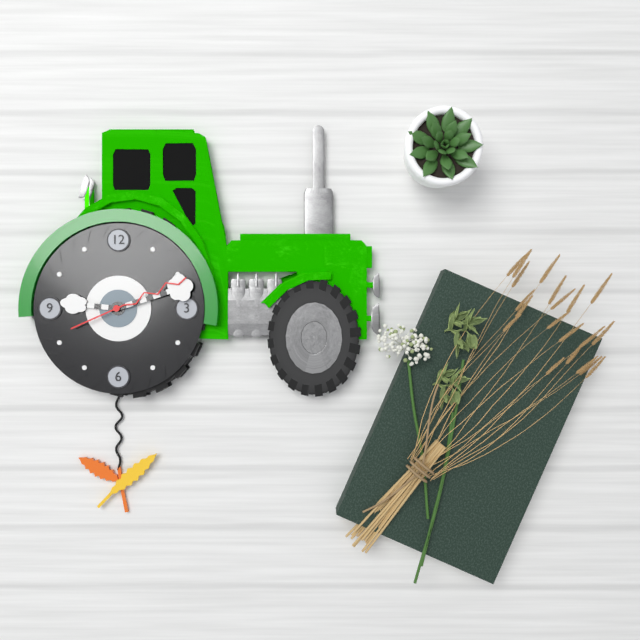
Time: **9:12:11**
